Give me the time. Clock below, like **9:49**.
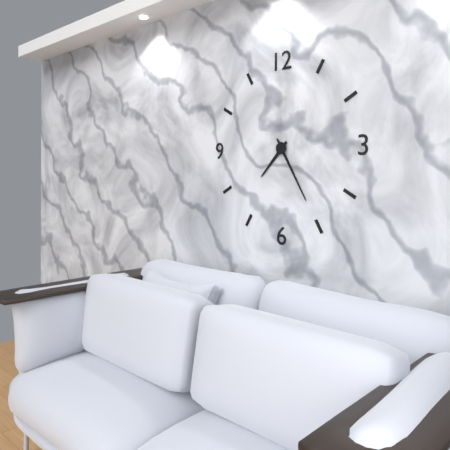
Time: **7:25**
